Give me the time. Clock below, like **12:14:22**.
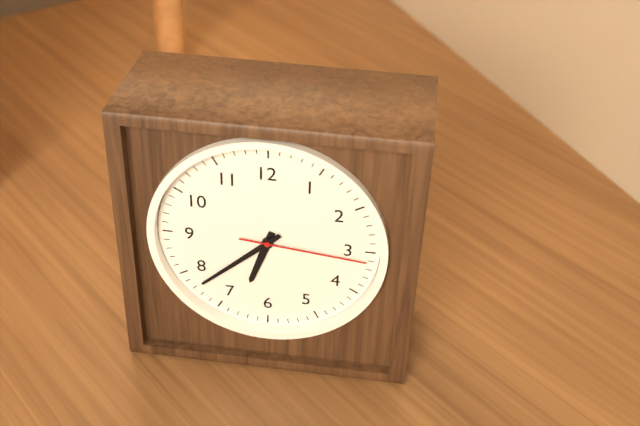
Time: **6:38:16**
